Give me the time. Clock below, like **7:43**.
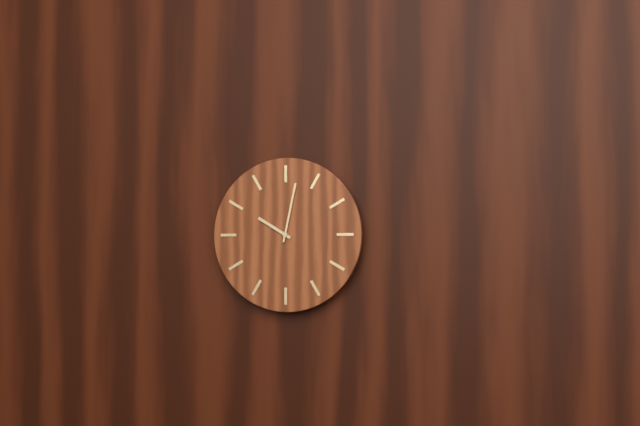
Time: **10:02**
